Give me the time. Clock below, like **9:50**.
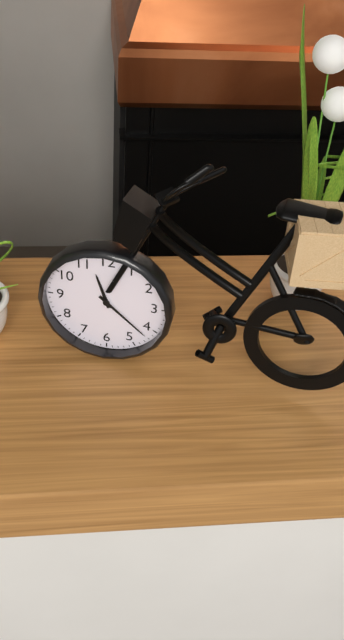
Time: **11:22**
